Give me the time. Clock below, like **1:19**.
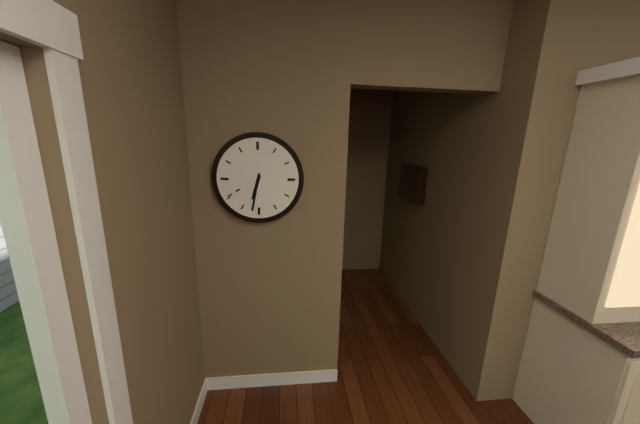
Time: **6:32**
